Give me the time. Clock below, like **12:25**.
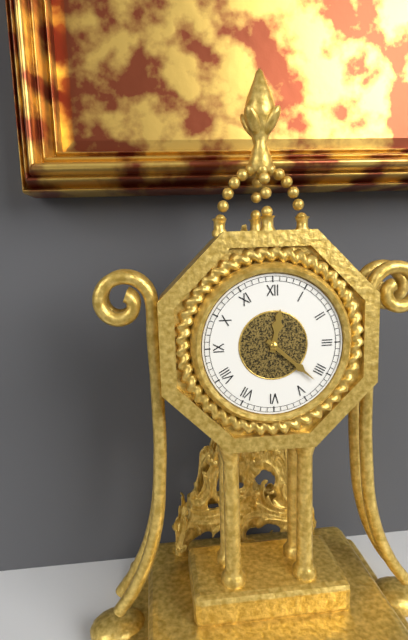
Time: **12:22**
